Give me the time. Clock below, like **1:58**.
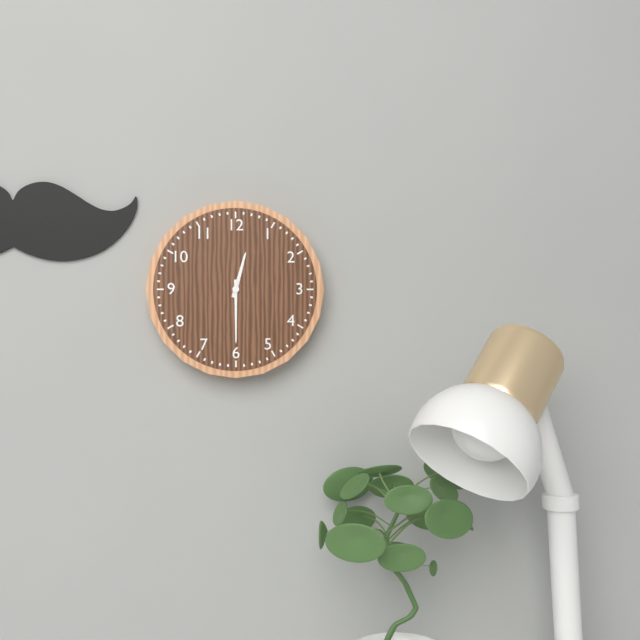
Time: **12:30**
